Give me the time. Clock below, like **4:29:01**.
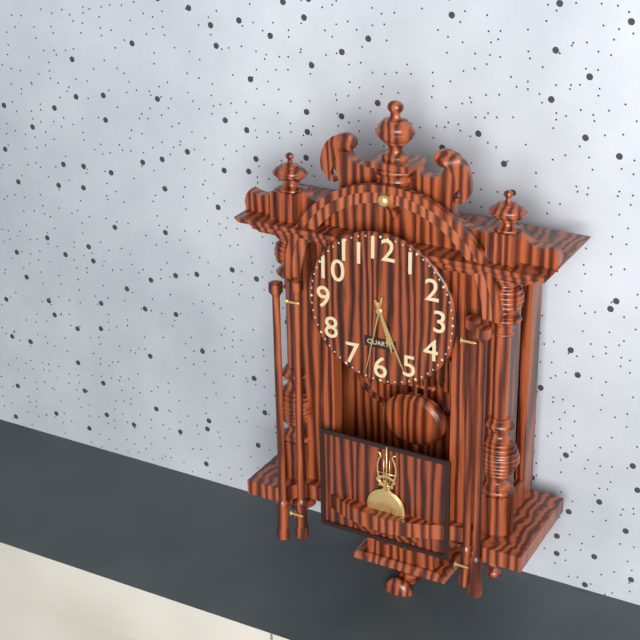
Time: **5:26:32**
